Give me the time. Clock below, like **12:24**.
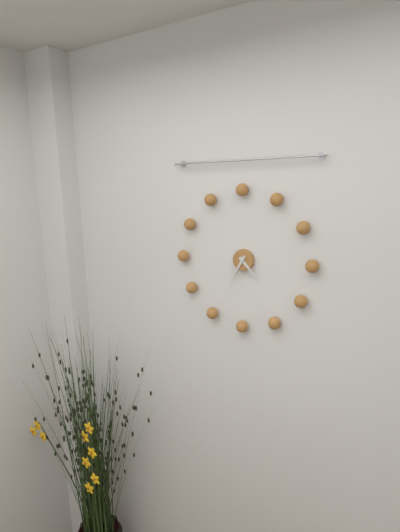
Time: **4:35**
